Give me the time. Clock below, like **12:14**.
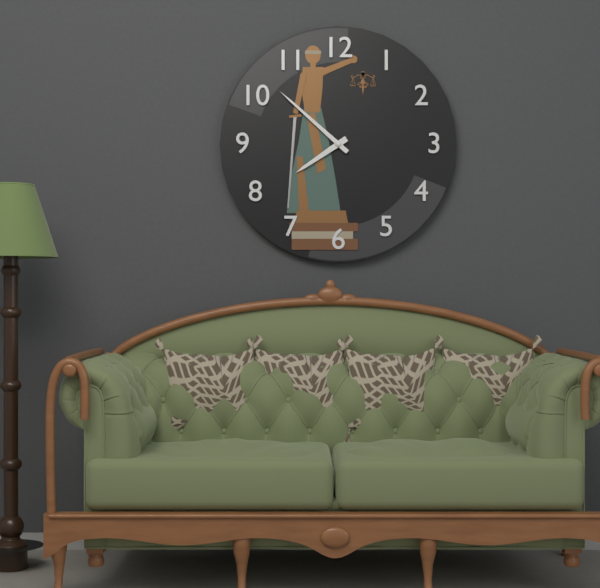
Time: **7:52**
